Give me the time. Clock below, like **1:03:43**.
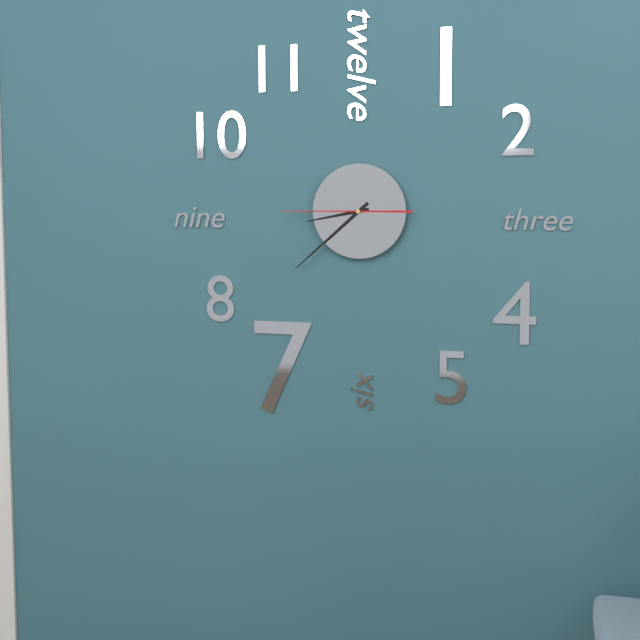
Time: **8:38:45**
